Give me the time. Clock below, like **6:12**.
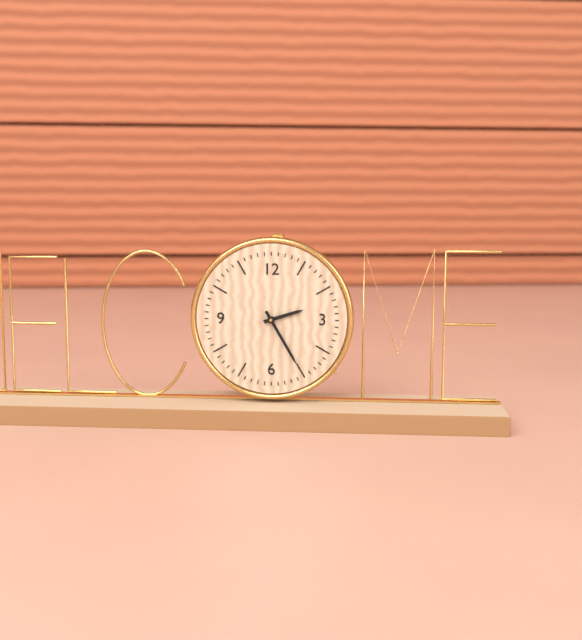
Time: **2:25**
